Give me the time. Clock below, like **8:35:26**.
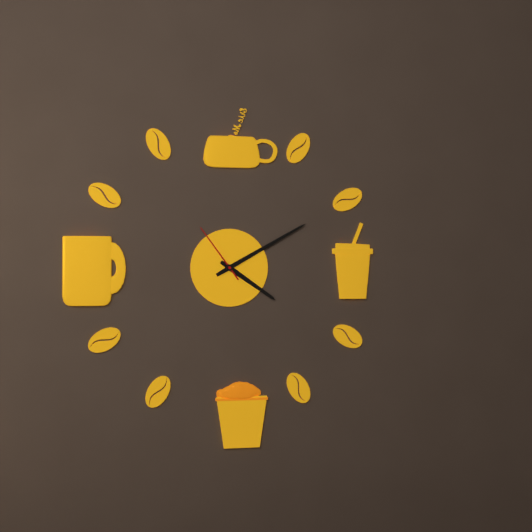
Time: **4:10:54**
